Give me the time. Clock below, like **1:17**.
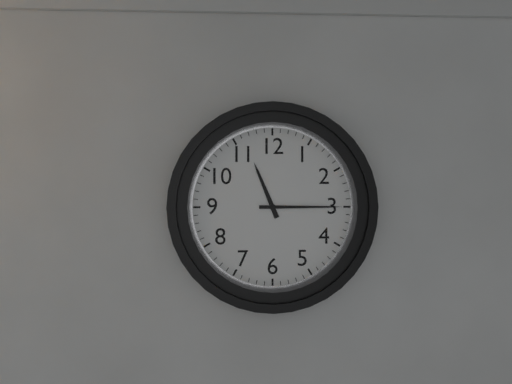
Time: **11:15**
